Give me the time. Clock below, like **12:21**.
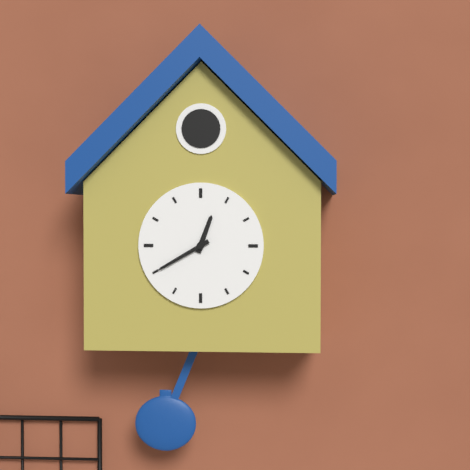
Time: **12:40**
